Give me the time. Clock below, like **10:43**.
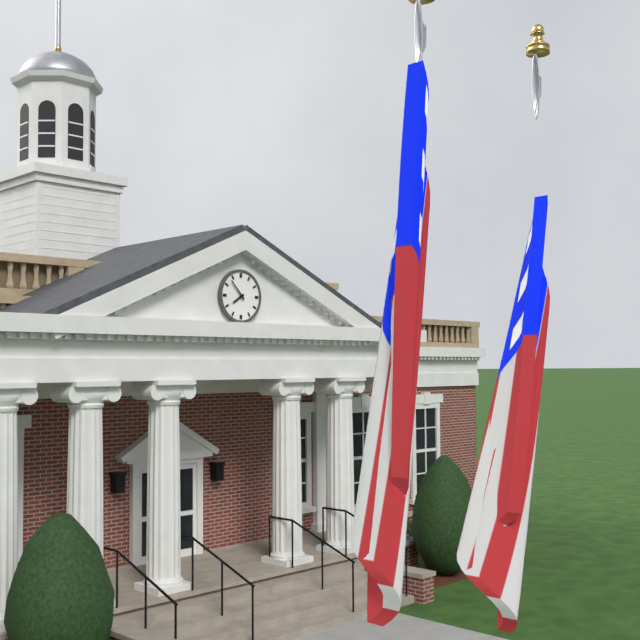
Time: **7:53**
